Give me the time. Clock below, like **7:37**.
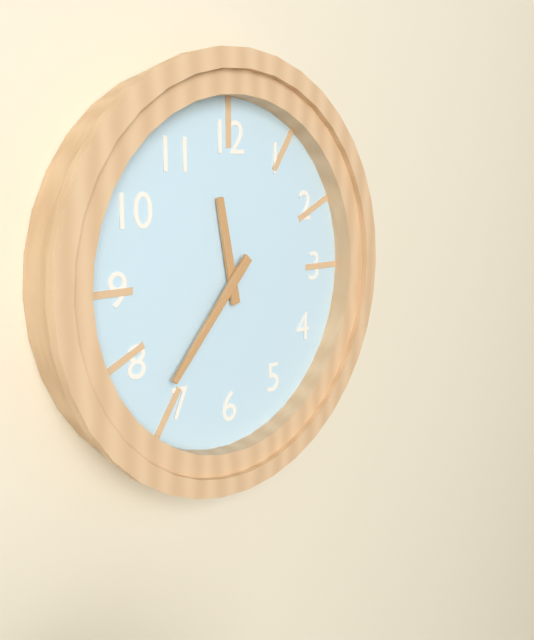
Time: **11:37**
